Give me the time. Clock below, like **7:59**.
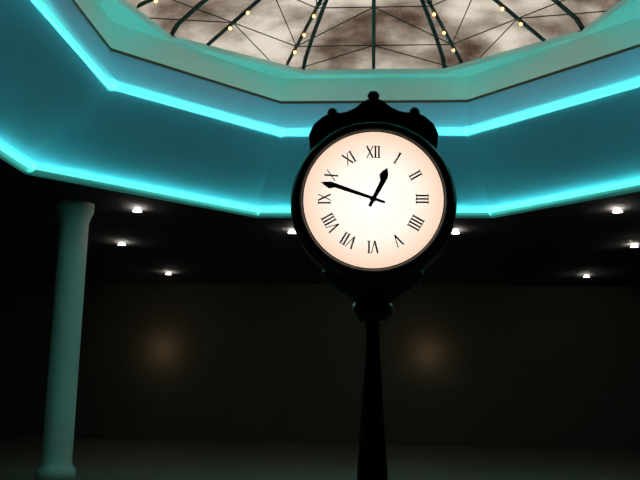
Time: **12:48**
